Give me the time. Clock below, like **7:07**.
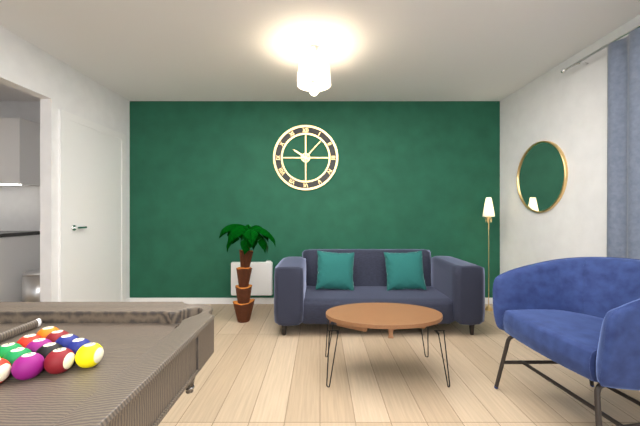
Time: **10:07**
